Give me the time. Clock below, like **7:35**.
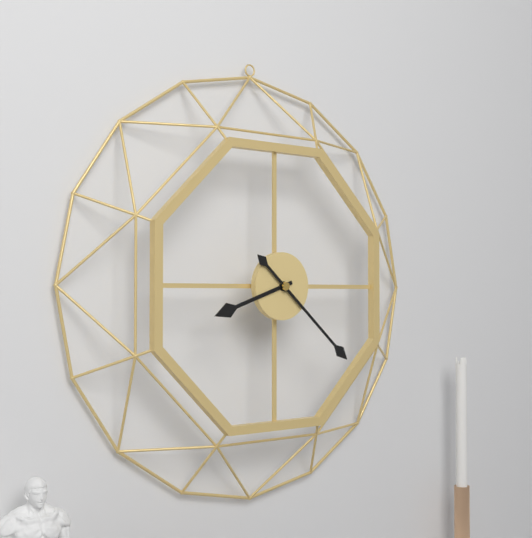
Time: **8:22**
